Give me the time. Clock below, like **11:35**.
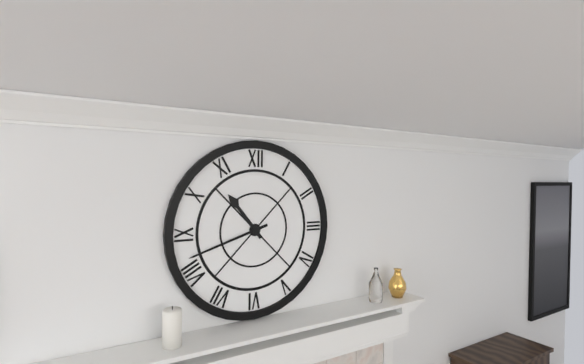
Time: **10:42**
